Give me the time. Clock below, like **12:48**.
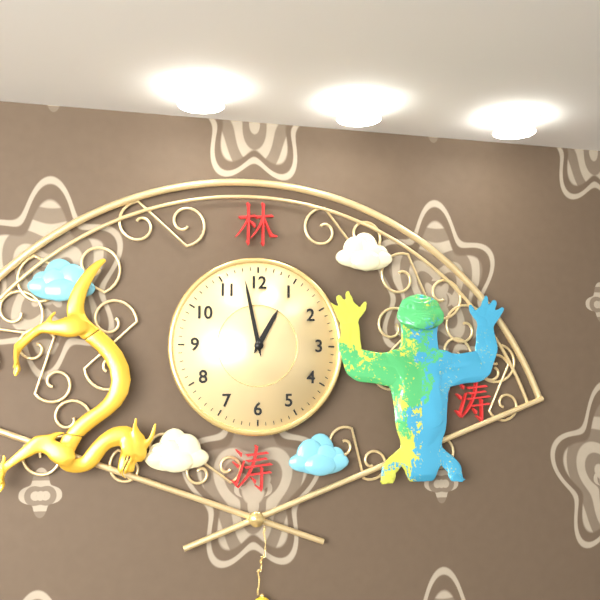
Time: **12:58**
